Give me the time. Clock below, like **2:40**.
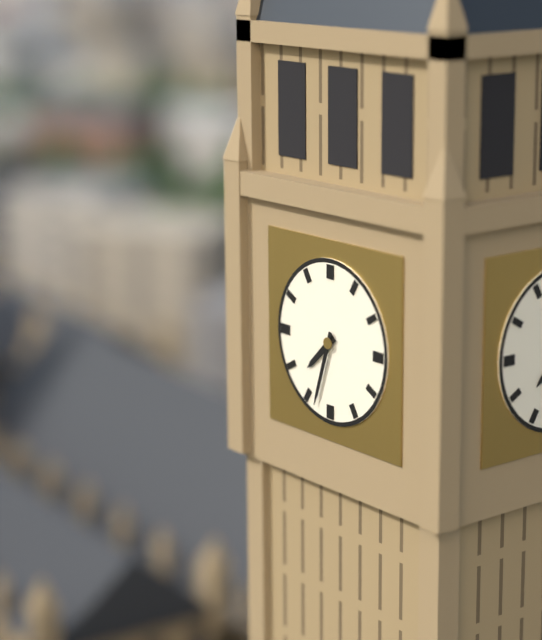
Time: **7:33**
